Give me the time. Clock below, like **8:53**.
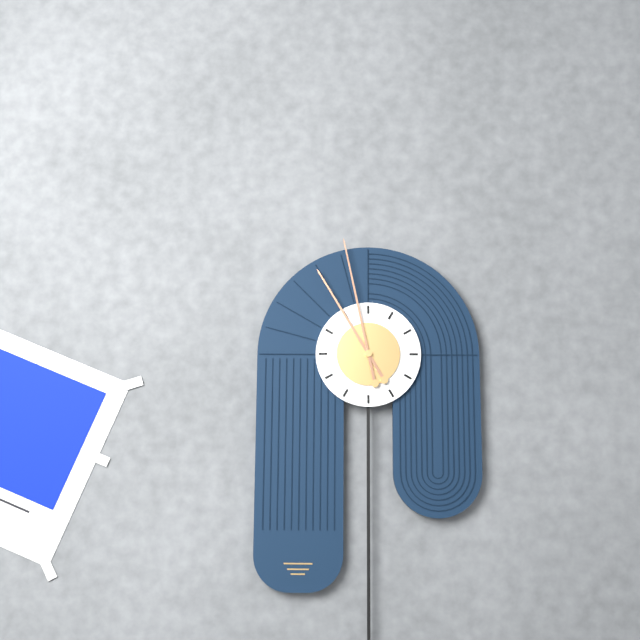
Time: **10:58**
